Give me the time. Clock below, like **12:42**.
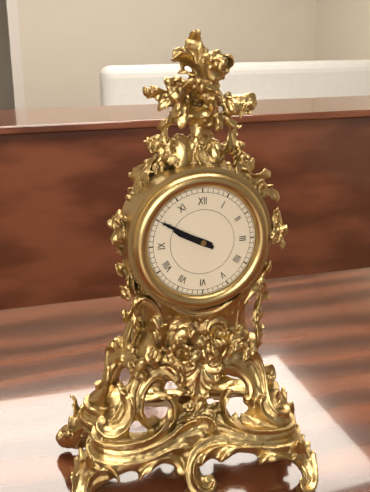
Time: **9:50**
